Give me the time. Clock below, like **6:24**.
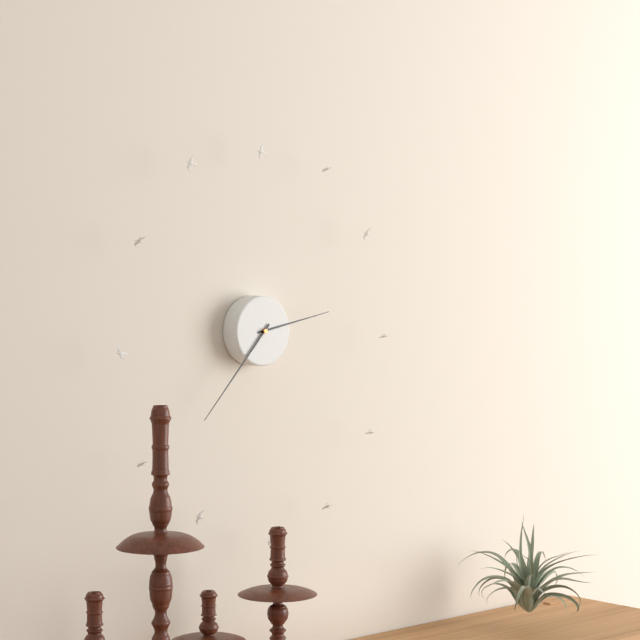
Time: **2:37**
